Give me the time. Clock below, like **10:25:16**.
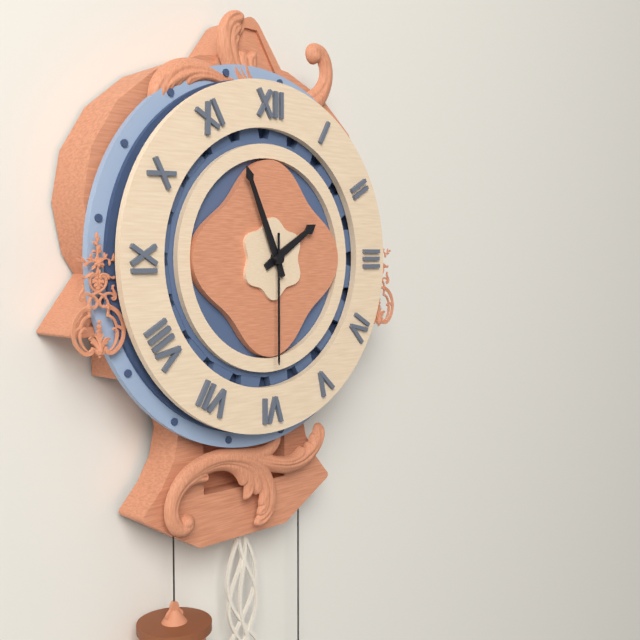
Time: **1:56:30**
